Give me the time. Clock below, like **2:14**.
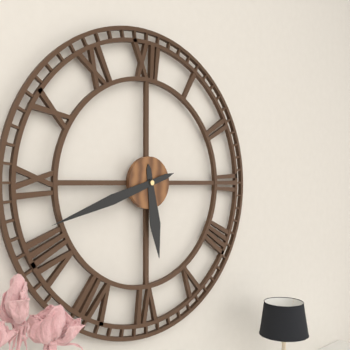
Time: **5:42**
